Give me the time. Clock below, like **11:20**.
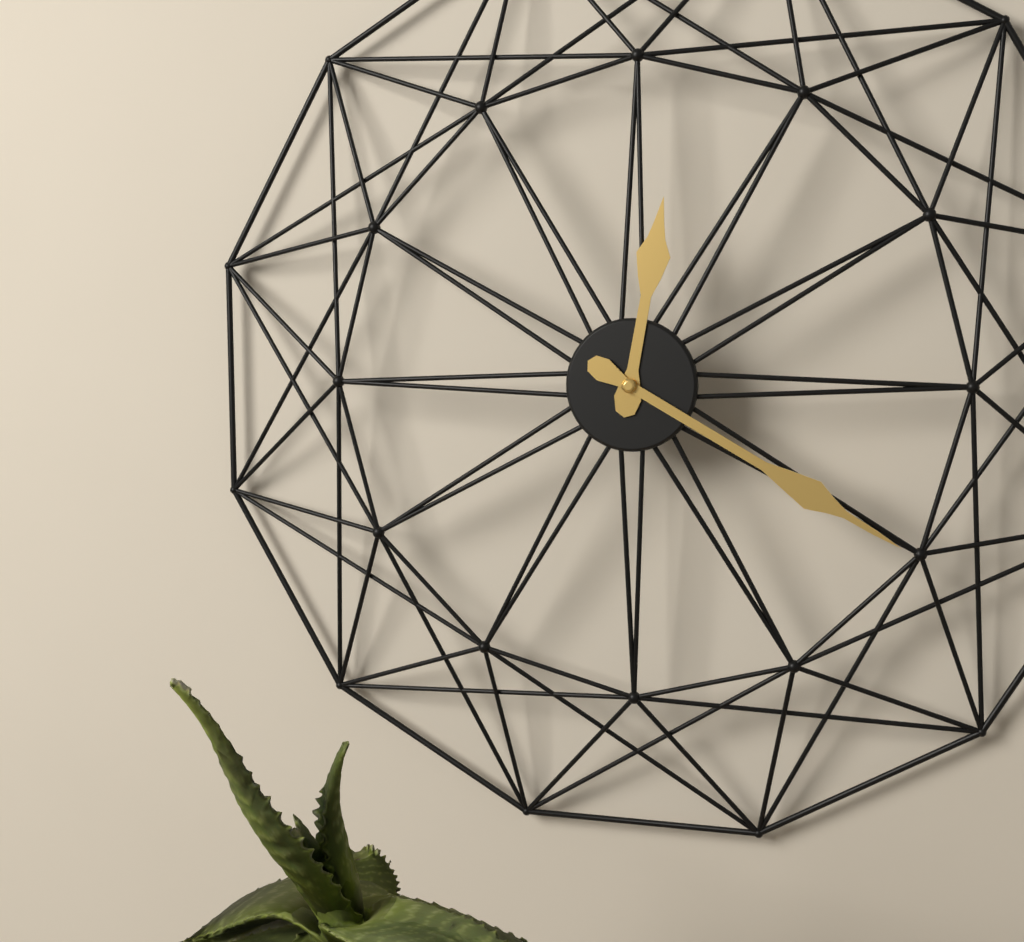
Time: **12:20**
